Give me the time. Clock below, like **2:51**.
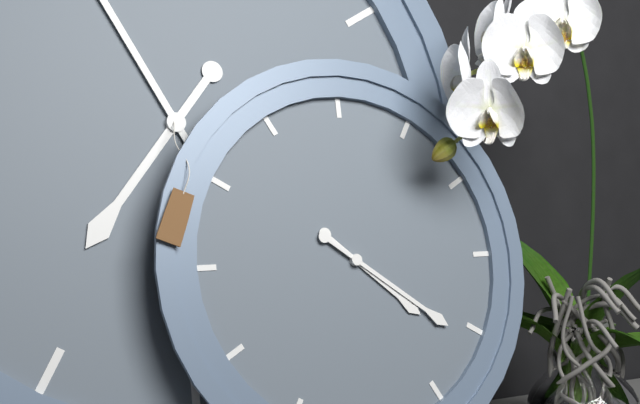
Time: **4:21**
